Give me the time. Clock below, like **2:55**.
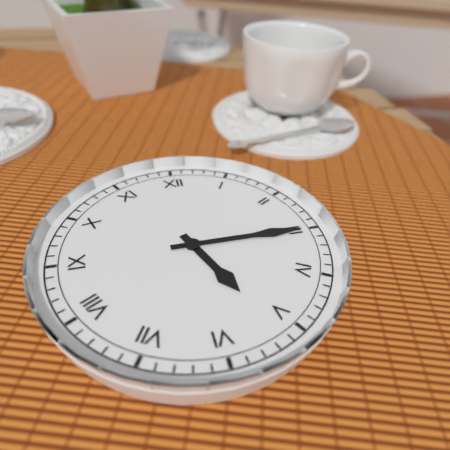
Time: **5:15**
